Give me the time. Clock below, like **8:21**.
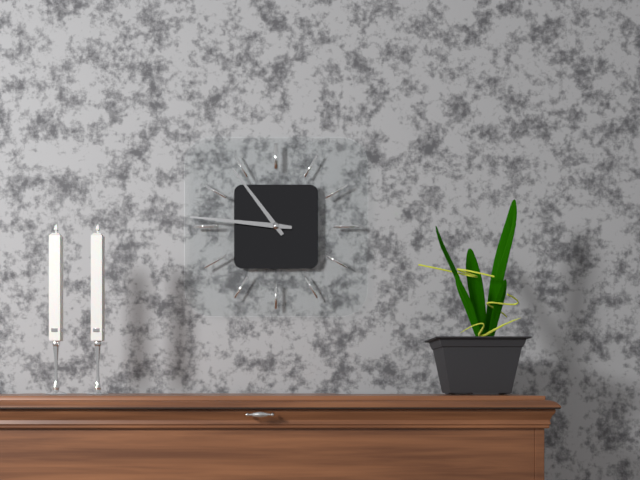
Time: **10:46**
